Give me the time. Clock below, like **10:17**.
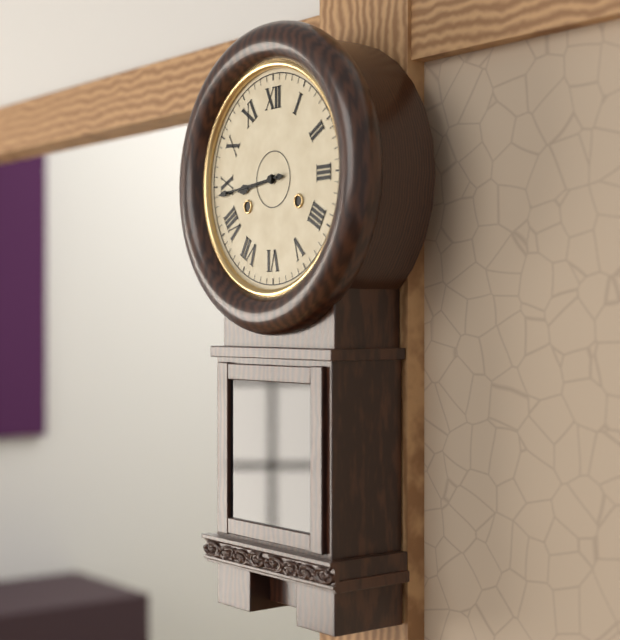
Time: **8:44**
